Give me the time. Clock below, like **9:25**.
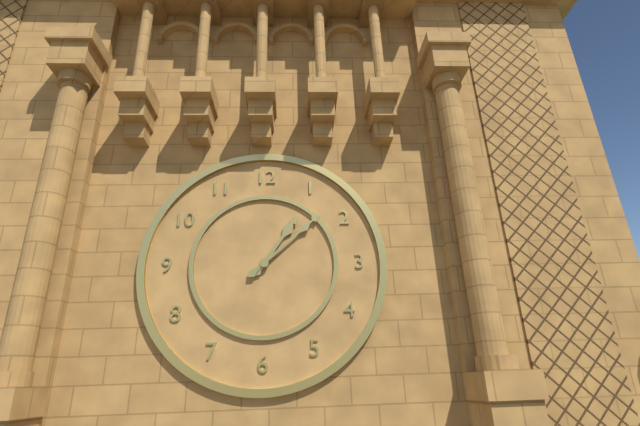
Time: **1:08**
